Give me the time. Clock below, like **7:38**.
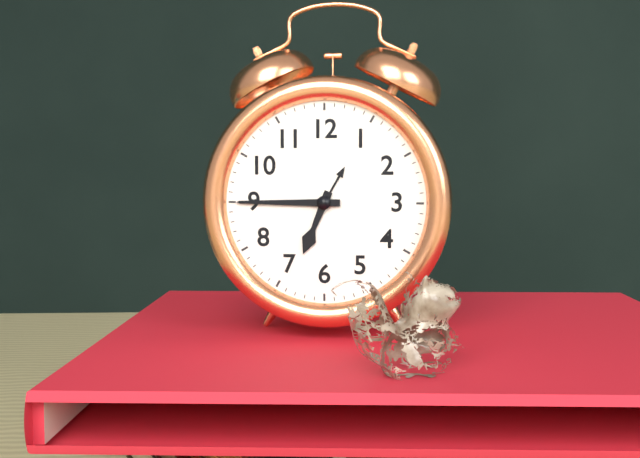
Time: **6:45**
